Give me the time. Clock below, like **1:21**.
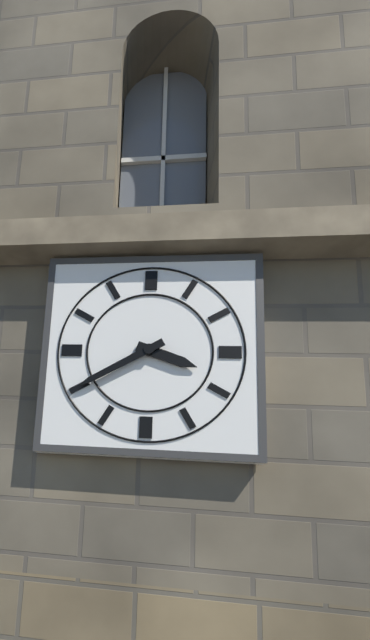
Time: **3:40**
